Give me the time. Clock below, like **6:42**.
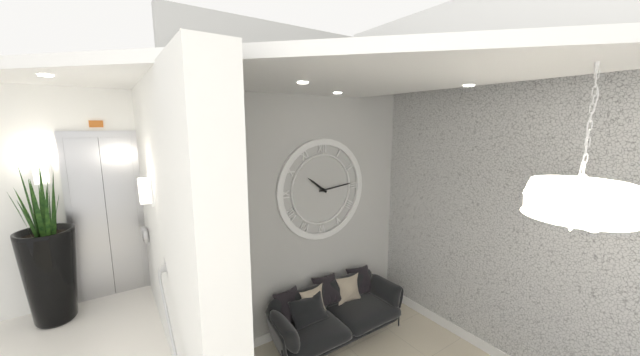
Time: **10:14**
